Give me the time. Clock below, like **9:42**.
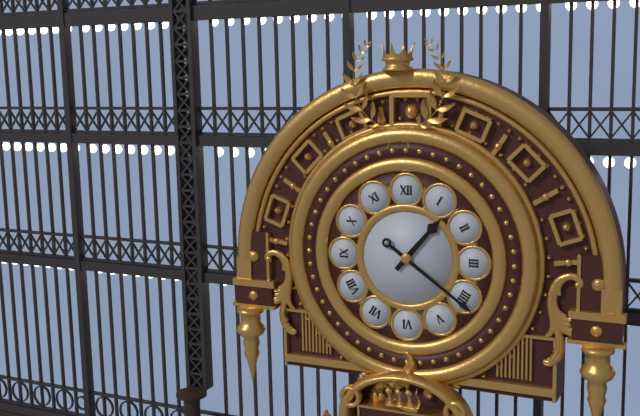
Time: **1:21**
